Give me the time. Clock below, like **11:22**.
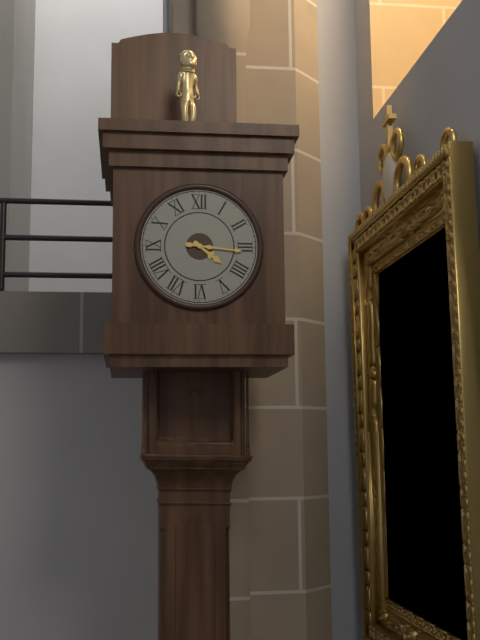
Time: **4:16**
